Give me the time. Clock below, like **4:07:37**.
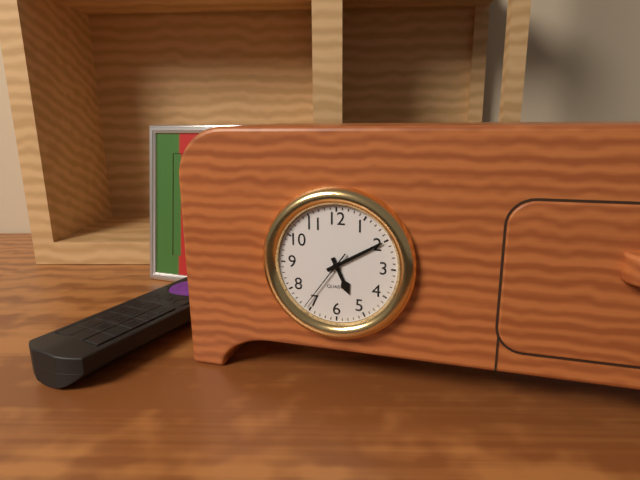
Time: **5:10:36**
